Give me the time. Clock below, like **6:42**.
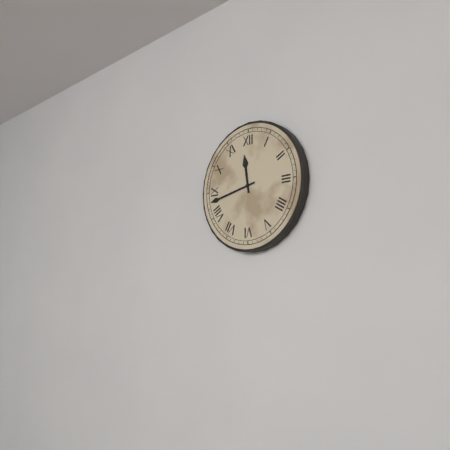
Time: **11:43**
